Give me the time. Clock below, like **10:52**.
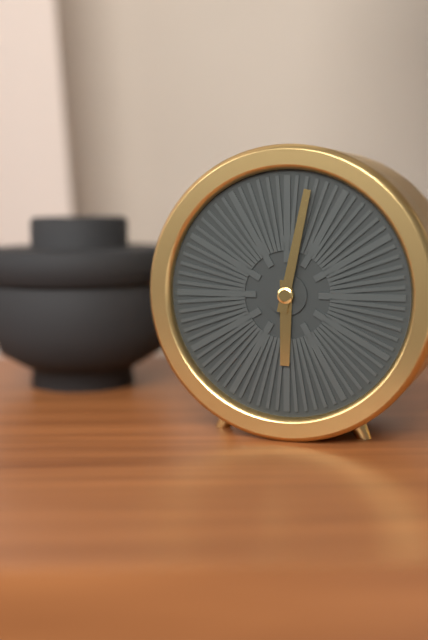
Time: **6:02**
